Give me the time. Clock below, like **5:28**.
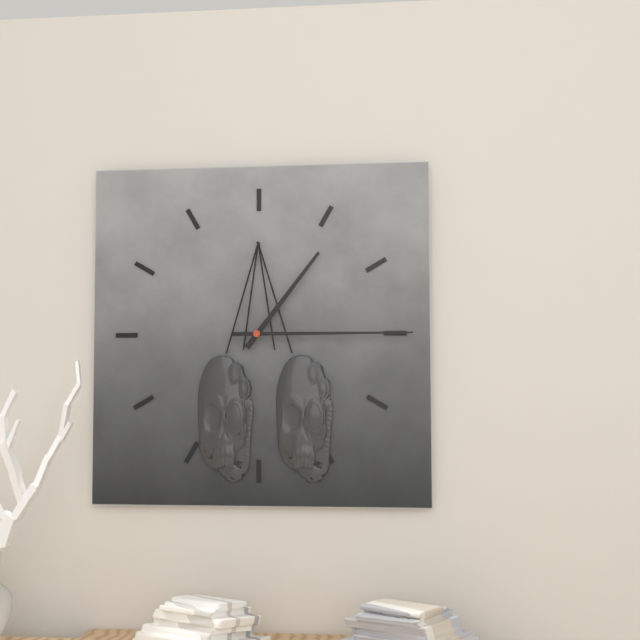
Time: **1:15**
